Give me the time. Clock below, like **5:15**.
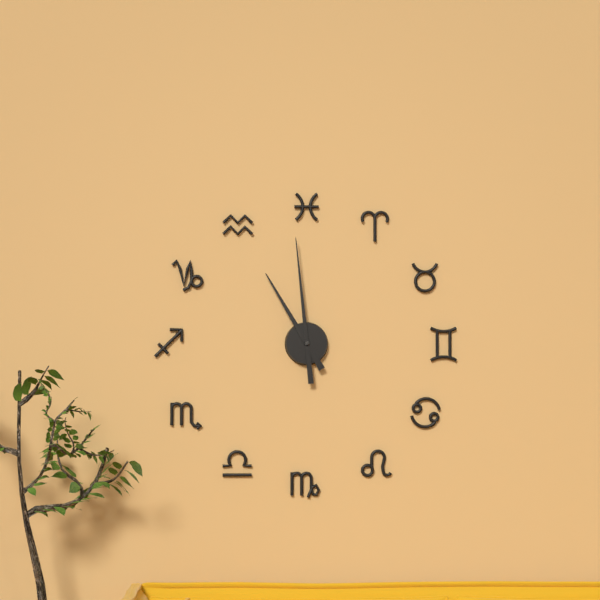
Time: **10:59**
